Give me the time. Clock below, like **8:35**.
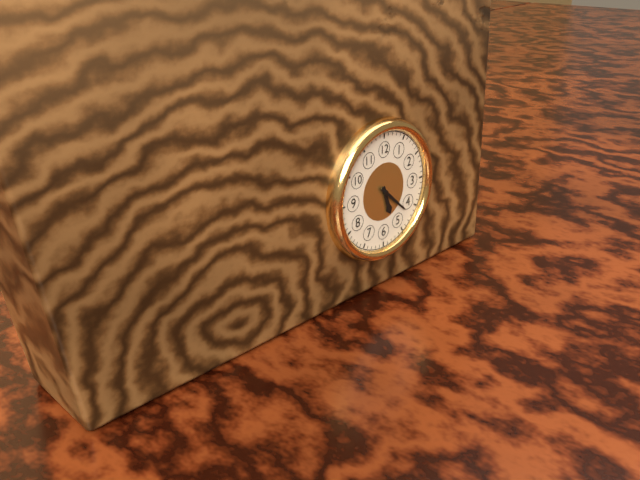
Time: **5:22**
